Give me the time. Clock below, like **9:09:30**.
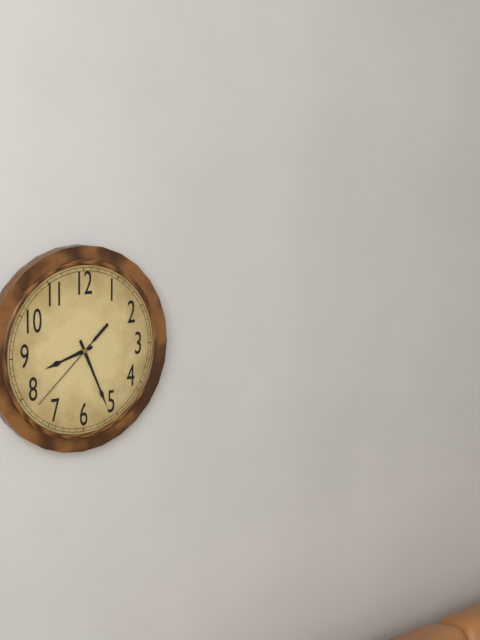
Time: **8:26:38**
